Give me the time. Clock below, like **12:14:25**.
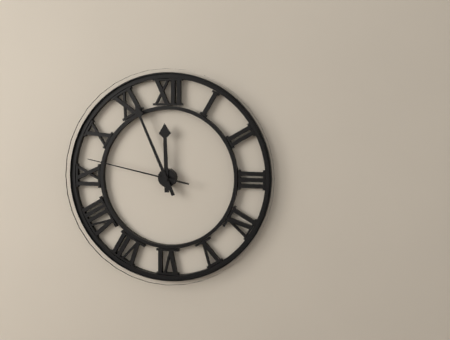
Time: **11:56:47**
